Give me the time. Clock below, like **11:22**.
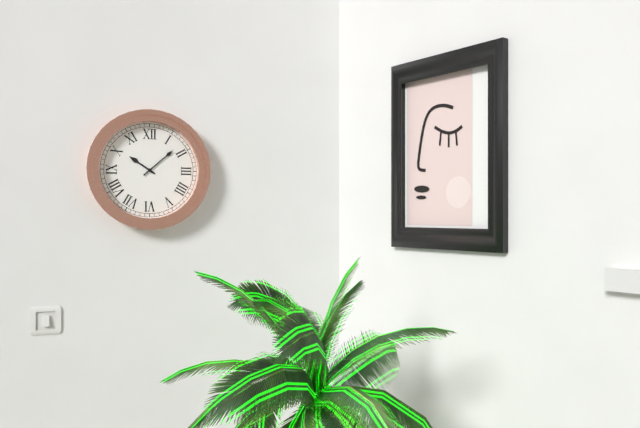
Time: **10:08**
